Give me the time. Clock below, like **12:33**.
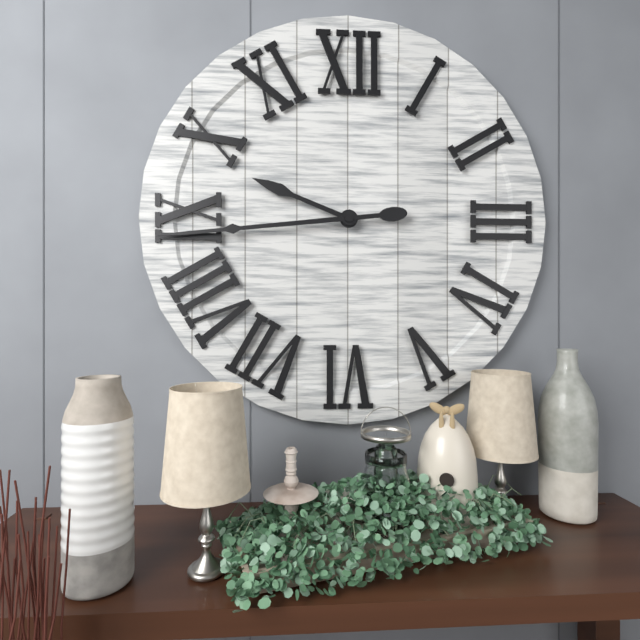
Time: **9:44**
